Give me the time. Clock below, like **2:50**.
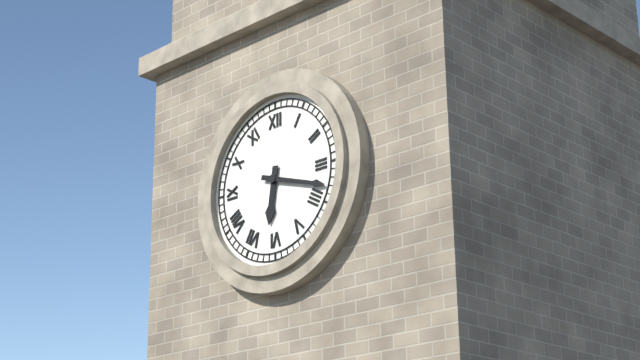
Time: **6:18**
